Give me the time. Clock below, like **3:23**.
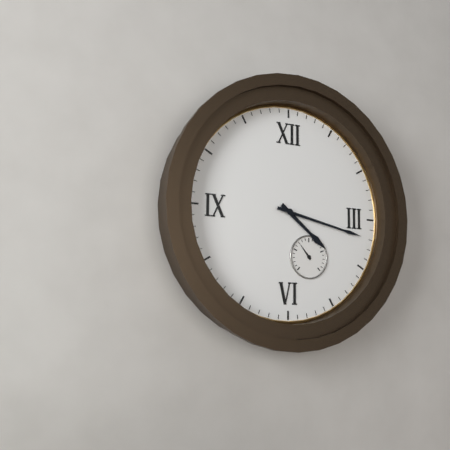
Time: **4:17**
